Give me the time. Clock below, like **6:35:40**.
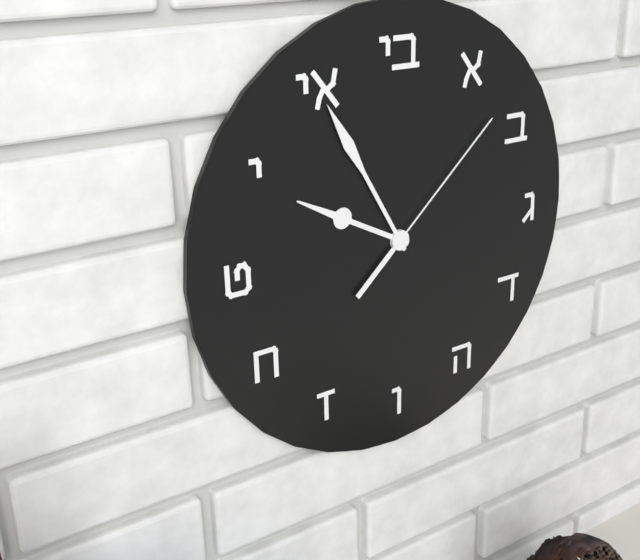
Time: **9:55:08**
